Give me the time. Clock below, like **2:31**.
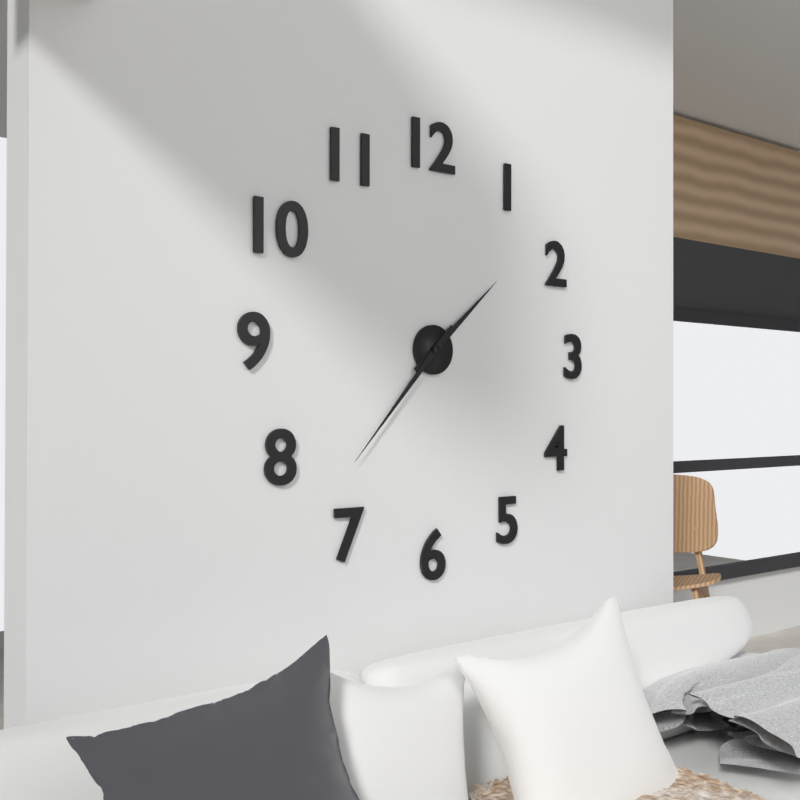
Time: **1:37**
